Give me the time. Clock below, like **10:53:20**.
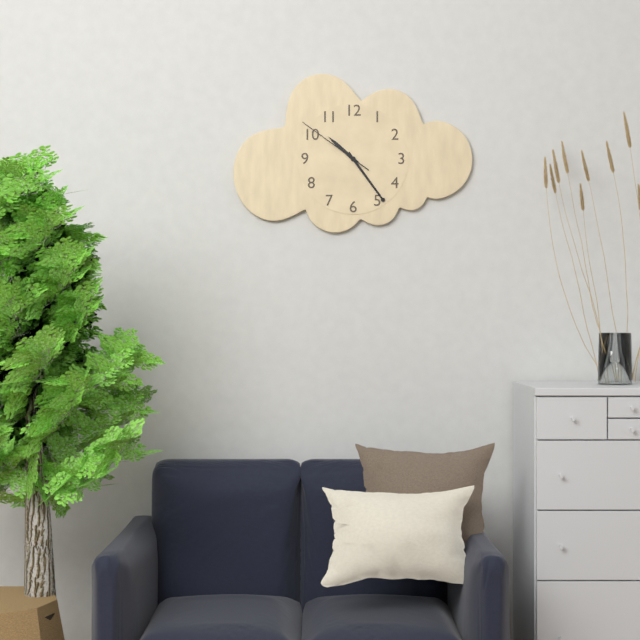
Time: **10:24:51**
